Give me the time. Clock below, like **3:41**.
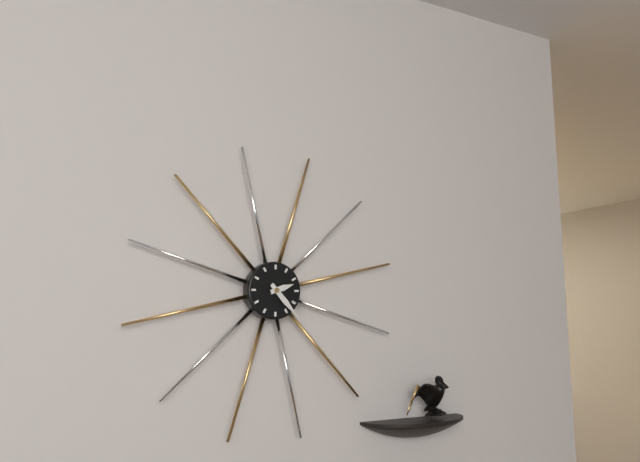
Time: **2:23**
